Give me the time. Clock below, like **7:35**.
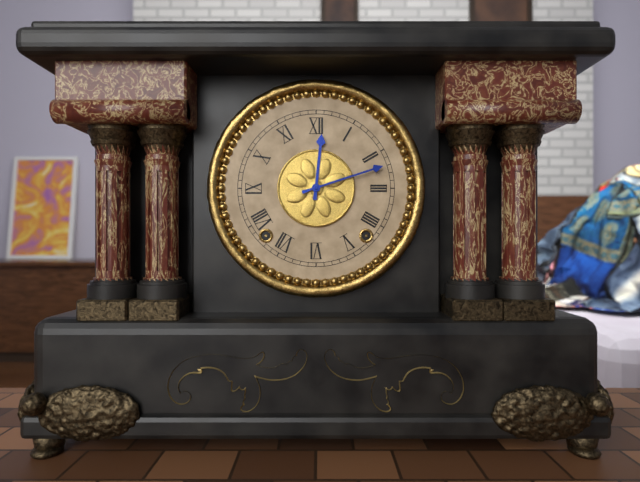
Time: **12:12**
